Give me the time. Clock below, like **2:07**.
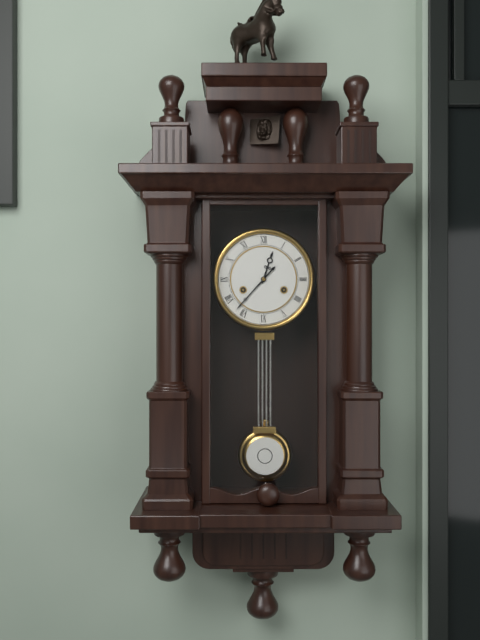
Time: **12:37**
